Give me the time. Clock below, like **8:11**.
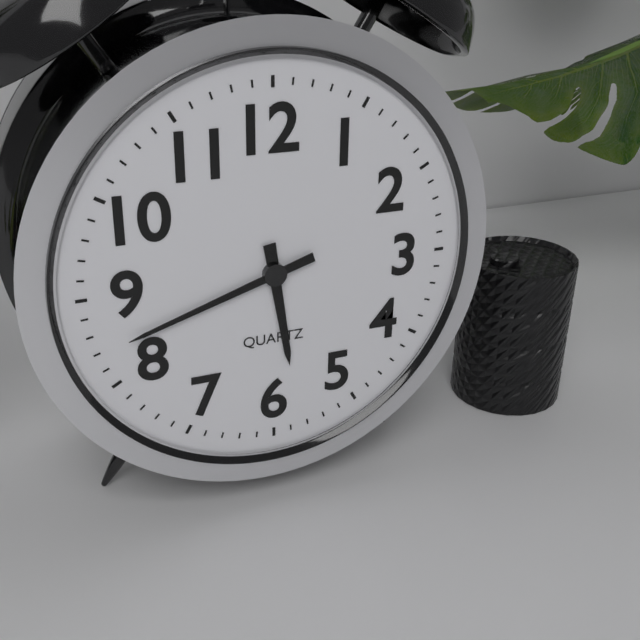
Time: **5:42**
